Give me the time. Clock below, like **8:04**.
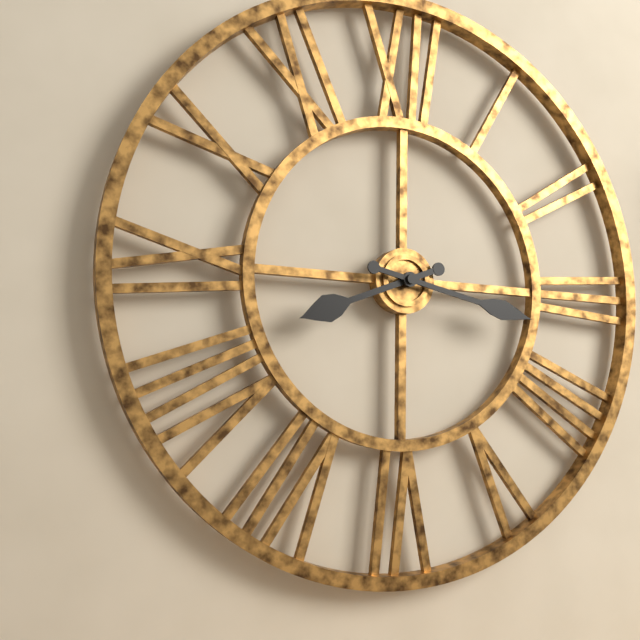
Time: **8:17**
